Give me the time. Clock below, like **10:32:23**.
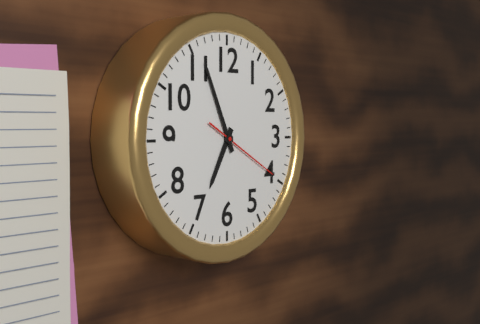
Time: **6:56:20**
